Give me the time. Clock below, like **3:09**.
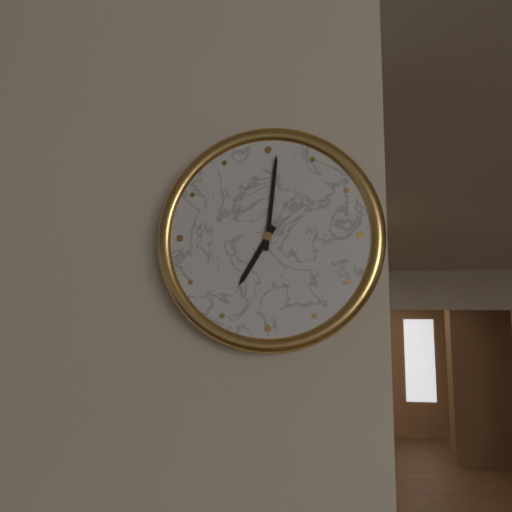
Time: **7:01**
